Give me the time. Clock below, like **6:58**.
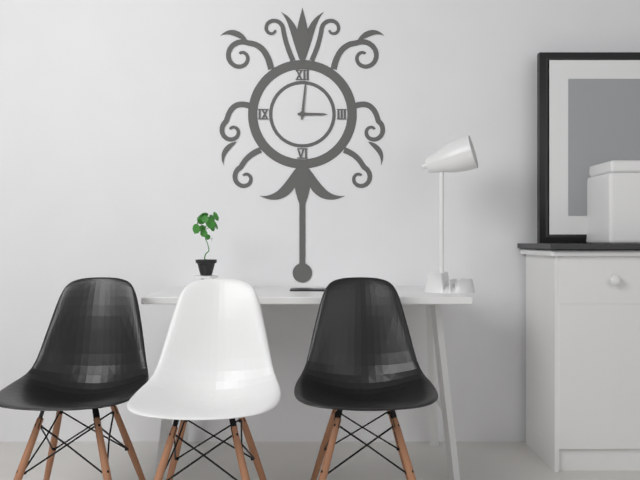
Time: **3:01**
